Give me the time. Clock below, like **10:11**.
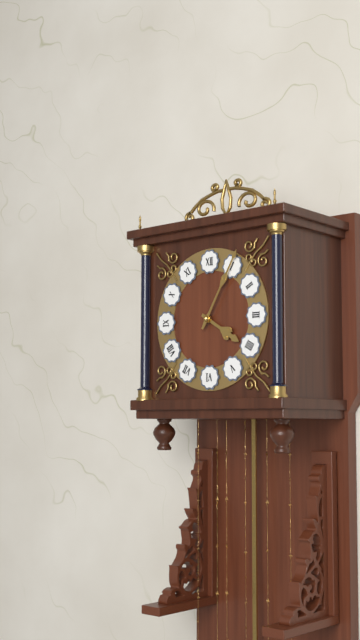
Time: **4:05**
